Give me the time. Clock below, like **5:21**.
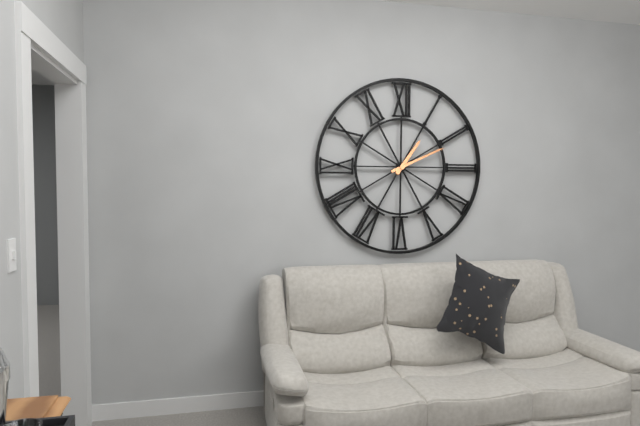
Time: **1:11**
